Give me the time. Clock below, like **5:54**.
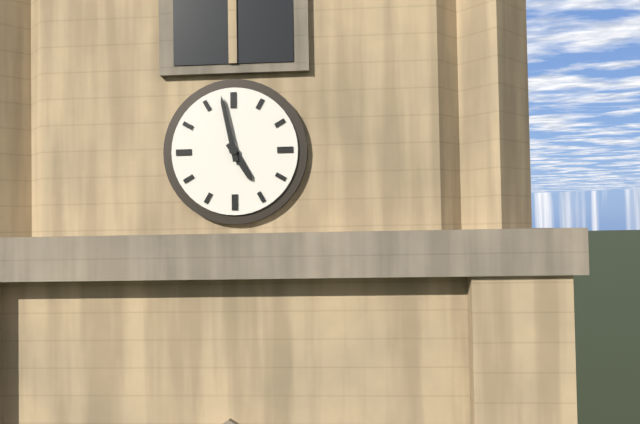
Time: **4:58**
